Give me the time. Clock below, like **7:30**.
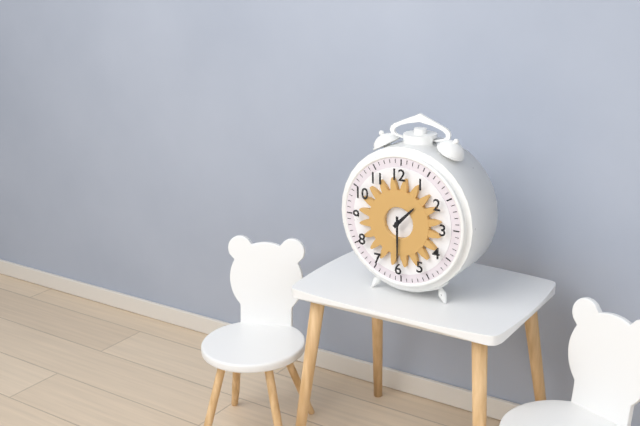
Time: **1:30**
